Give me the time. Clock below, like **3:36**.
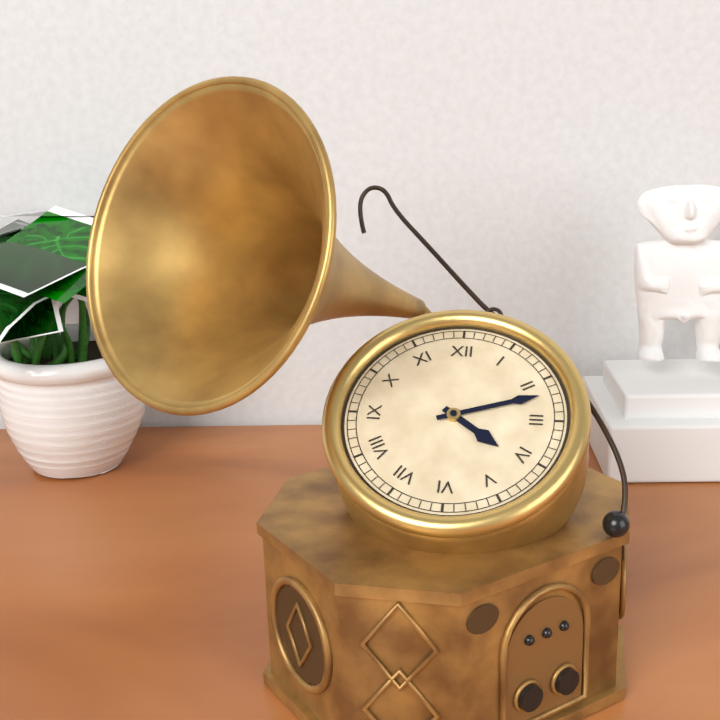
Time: **4:12**
